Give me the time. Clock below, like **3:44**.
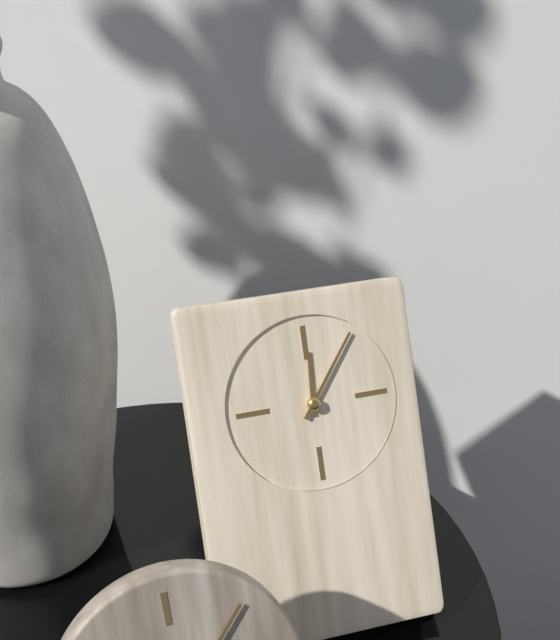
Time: **12:06**
